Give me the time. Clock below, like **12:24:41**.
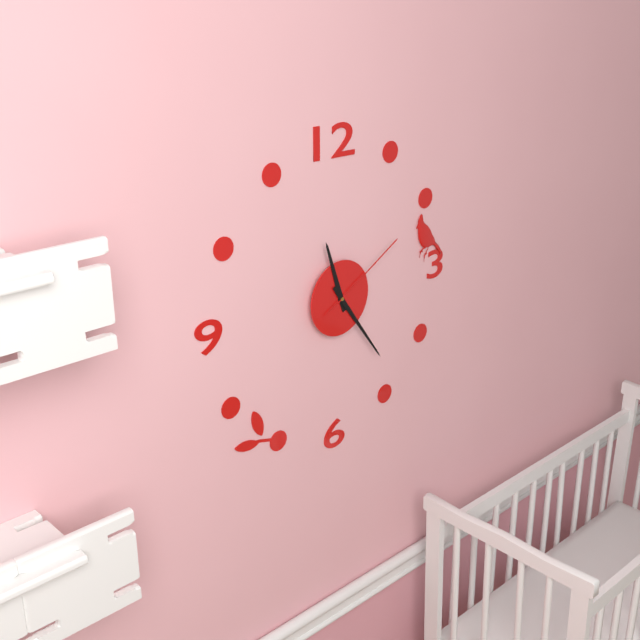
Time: **11:24:10**
